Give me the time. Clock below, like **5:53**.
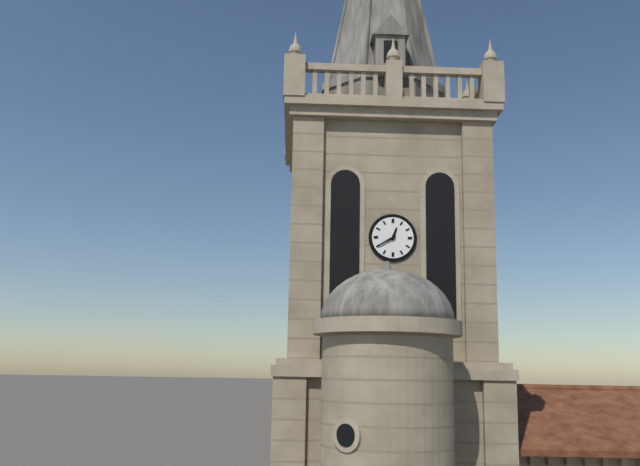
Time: **12:40**
